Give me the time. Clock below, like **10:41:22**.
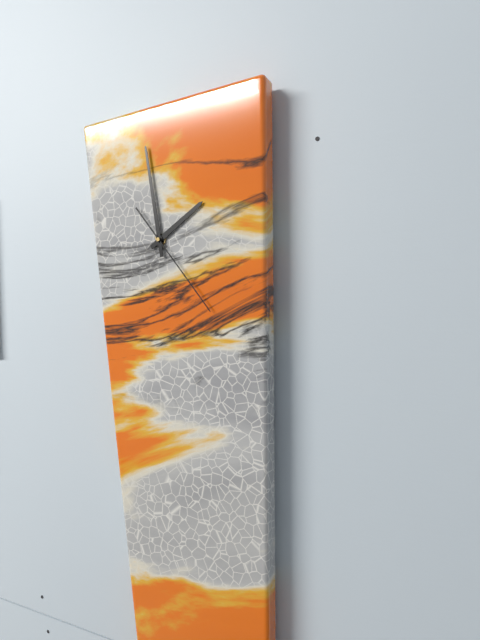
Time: **1:59:24**
